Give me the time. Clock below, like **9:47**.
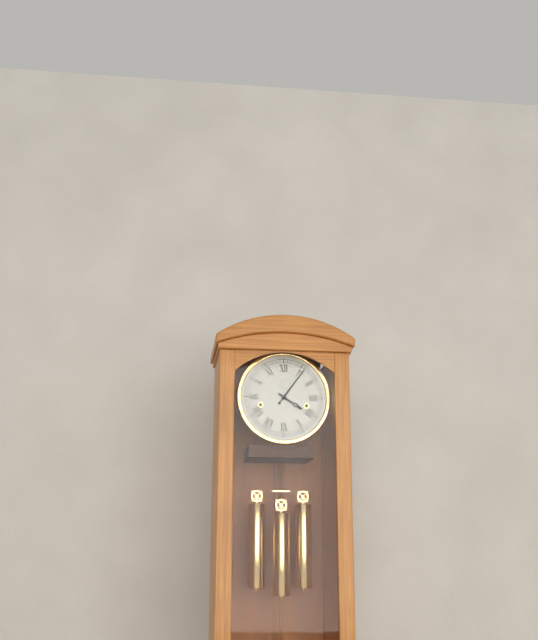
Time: **4:06**
